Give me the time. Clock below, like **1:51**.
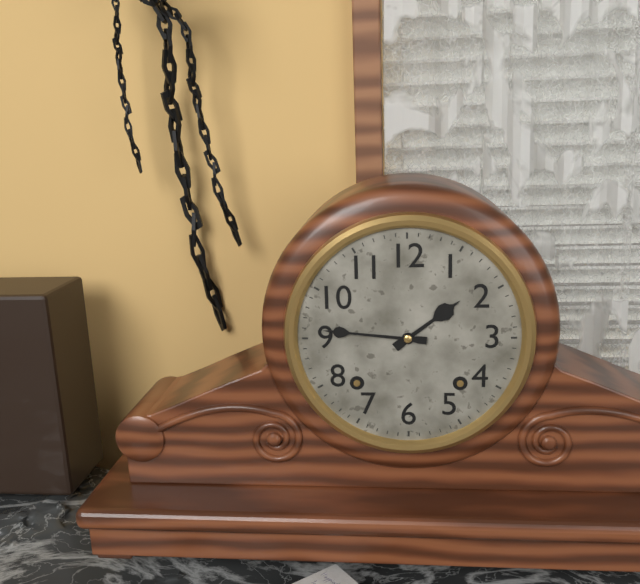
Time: **1:46**
